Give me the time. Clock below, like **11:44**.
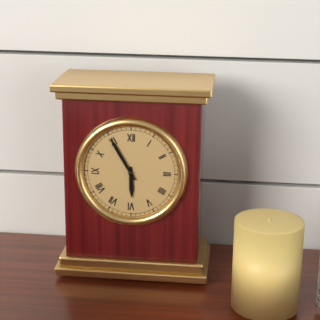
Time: **5:55**
